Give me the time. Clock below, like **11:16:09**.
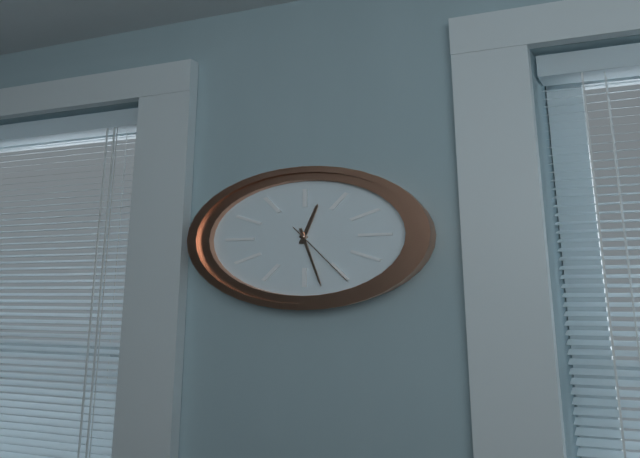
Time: **12:28:25**
